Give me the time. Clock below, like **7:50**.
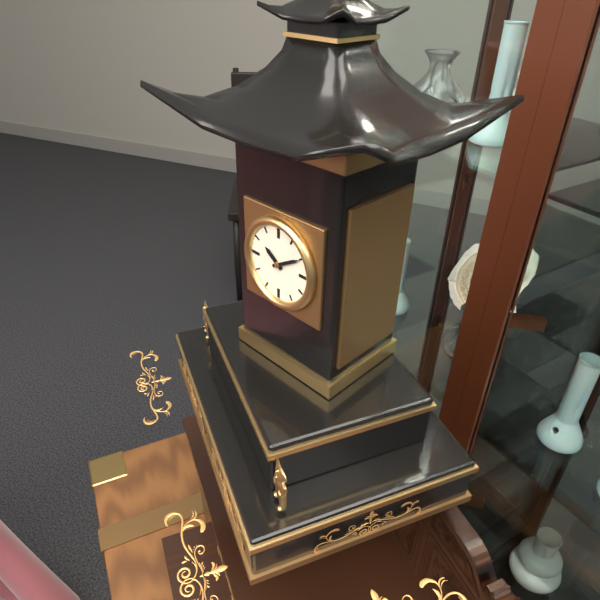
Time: **10:10**
